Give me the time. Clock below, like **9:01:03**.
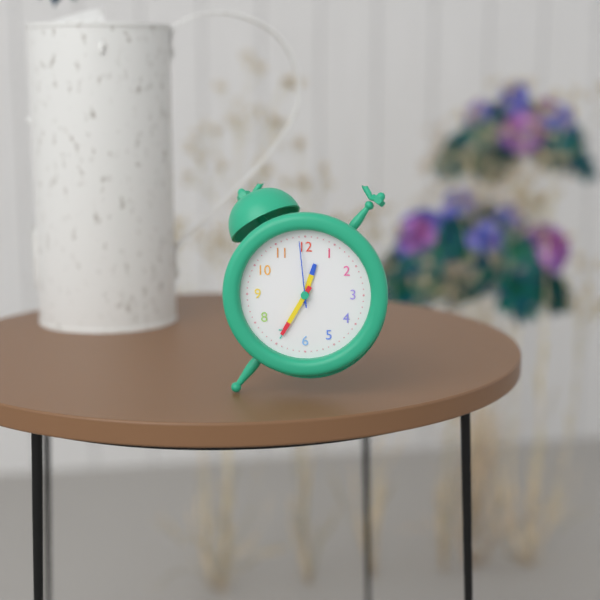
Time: **12:35:59**
